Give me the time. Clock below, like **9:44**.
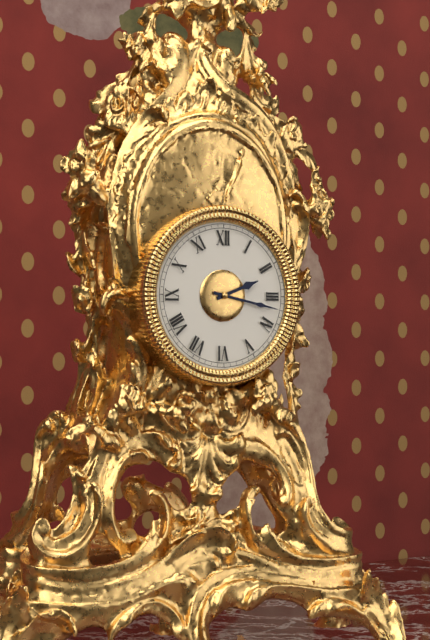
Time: **2:17**
